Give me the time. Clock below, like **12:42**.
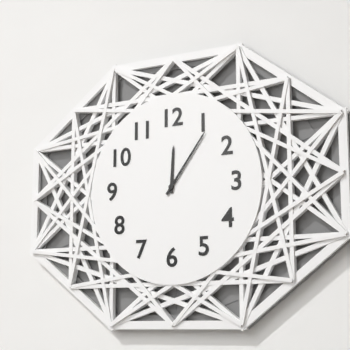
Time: **12:06**
